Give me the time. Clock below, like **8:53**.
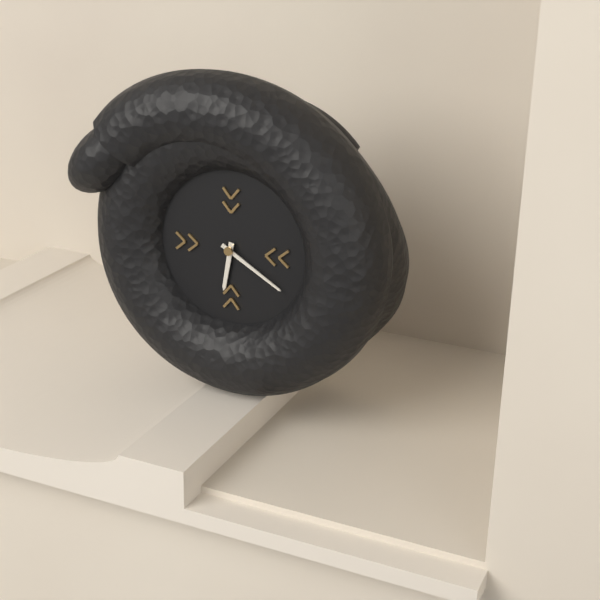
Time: **6:20**
